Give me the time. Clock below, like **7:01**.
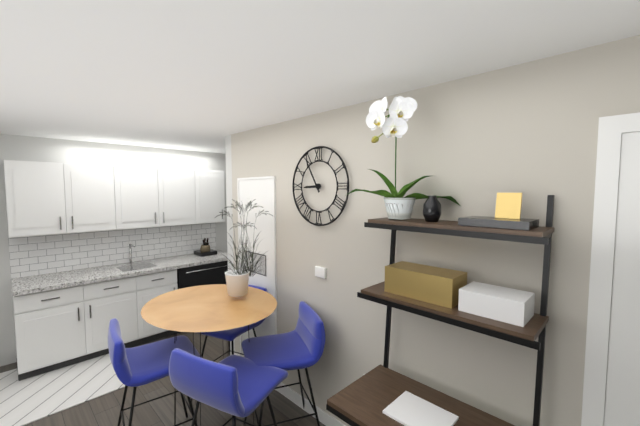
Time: **8:55**
